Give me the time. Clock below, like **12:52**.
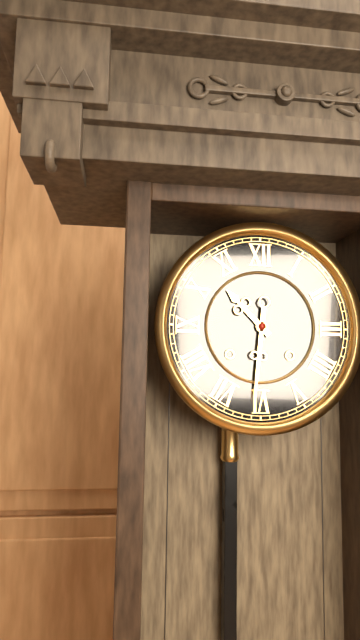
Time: **10:31**
